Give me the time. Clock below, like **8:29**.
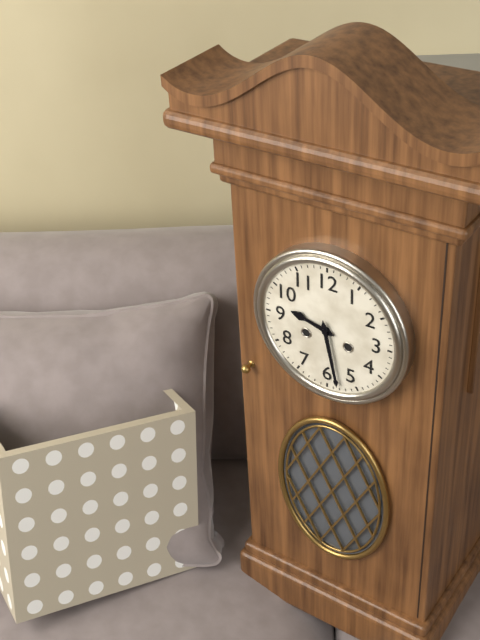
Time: **9:28**
